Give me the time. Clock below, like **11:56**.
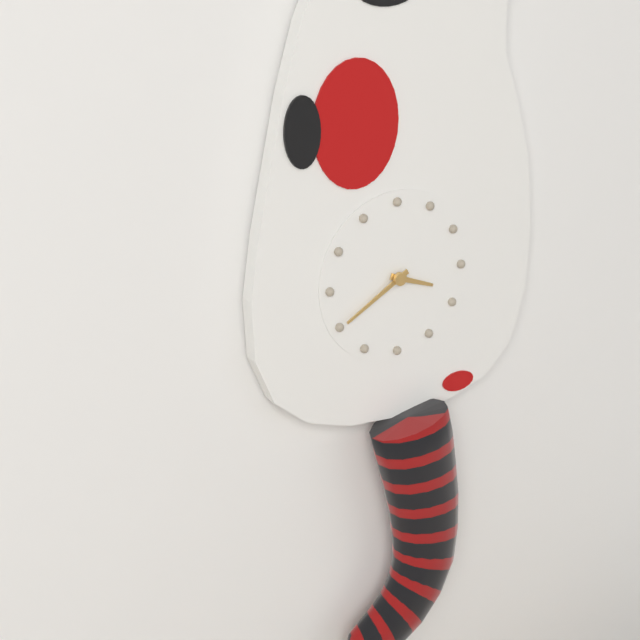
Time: **3:40**
